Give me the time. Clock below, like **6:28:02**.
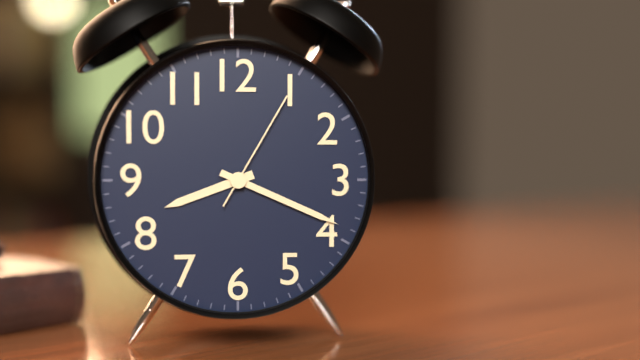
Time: **8:19:05**
